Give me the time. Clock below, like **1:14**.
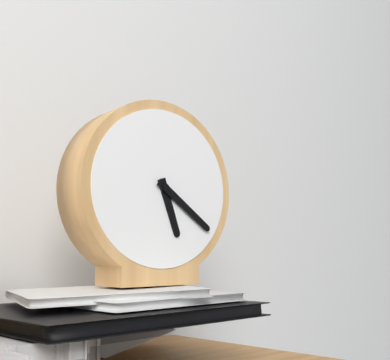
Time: **5:21**
